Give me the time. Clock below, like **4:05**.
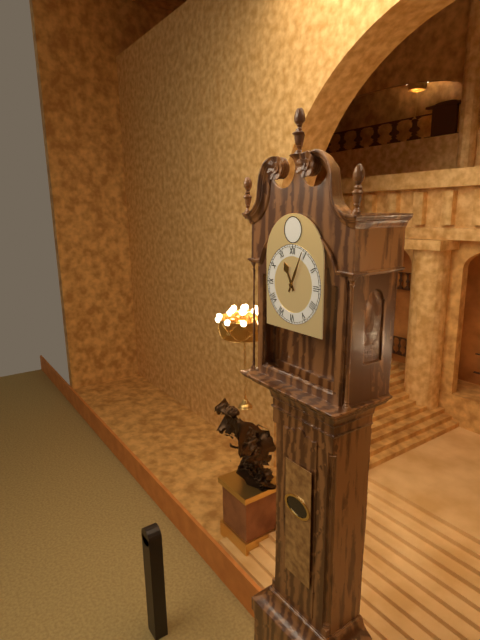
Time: **11:04**
